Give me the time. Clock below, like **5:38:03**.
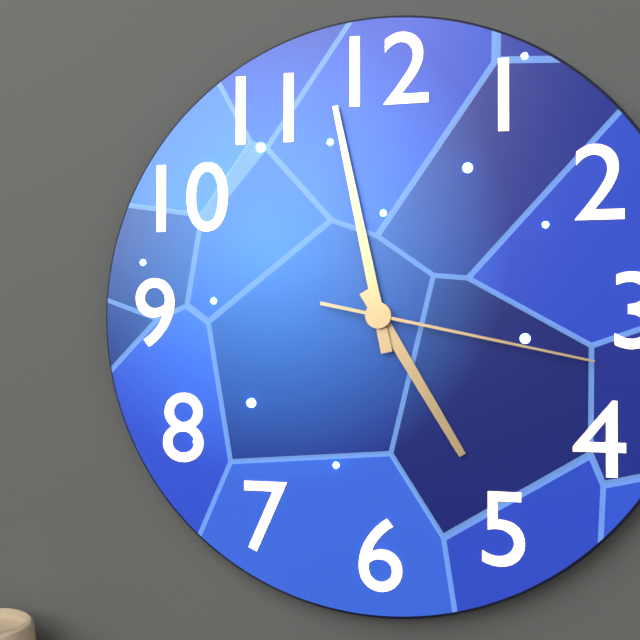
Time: **4:58:17**
